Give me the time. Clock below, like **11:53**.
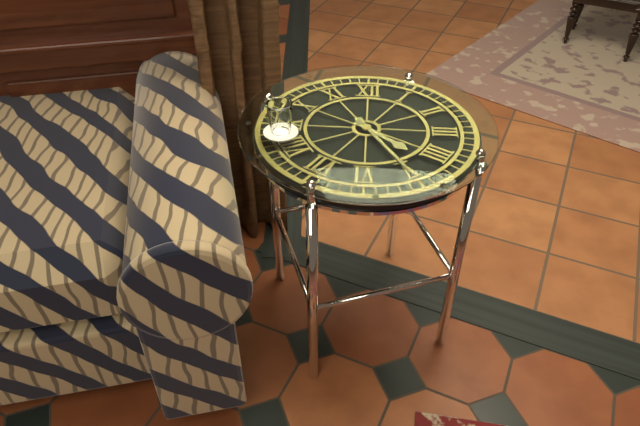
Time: **4:25**
